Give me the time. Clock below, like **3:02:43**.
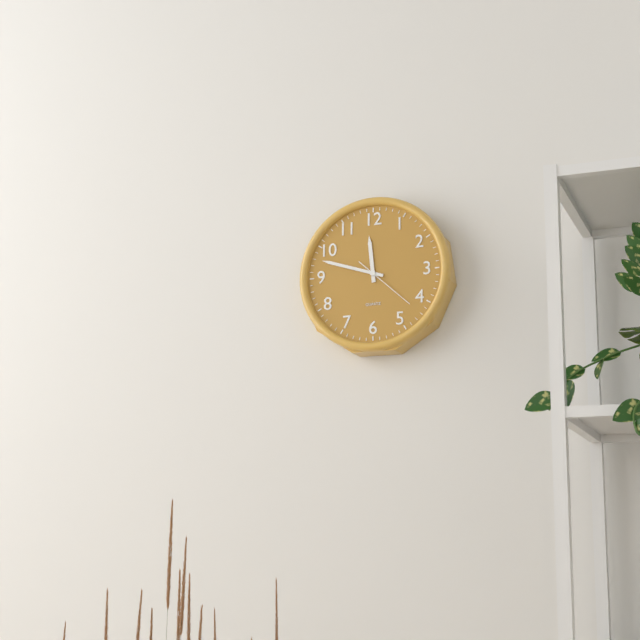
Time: **11:48:22**
